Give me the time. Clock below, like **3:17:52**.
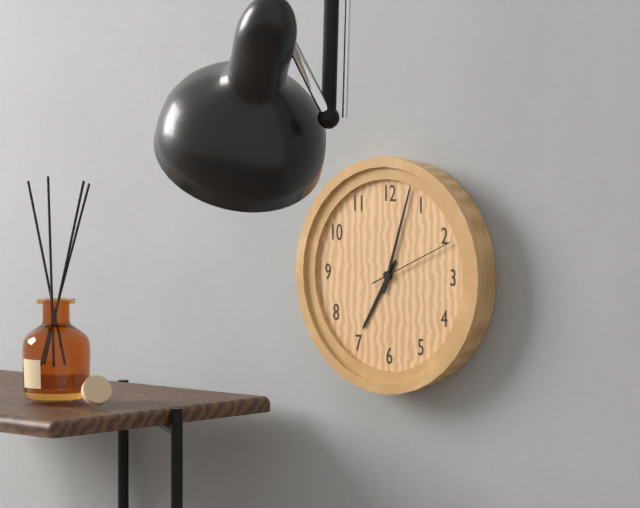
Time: **7:03:11**
